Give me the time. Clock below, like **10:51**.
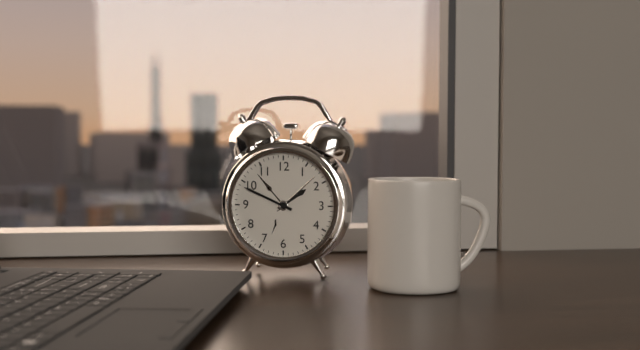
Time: **1:49**
